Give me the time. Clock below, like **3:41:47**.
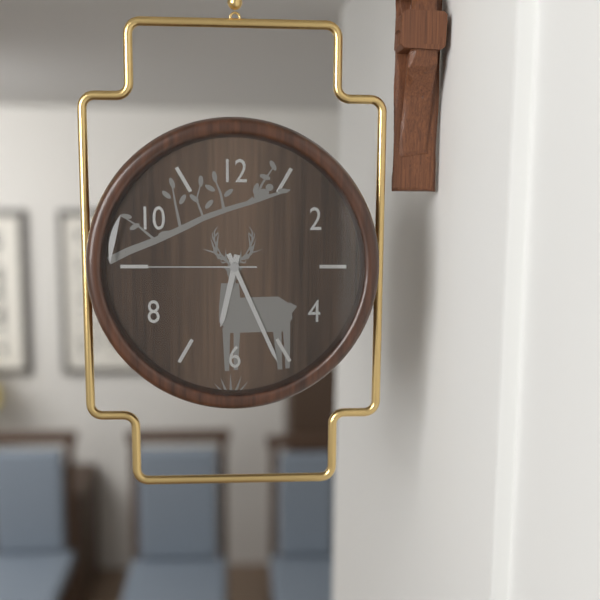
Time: **6:26:45**
